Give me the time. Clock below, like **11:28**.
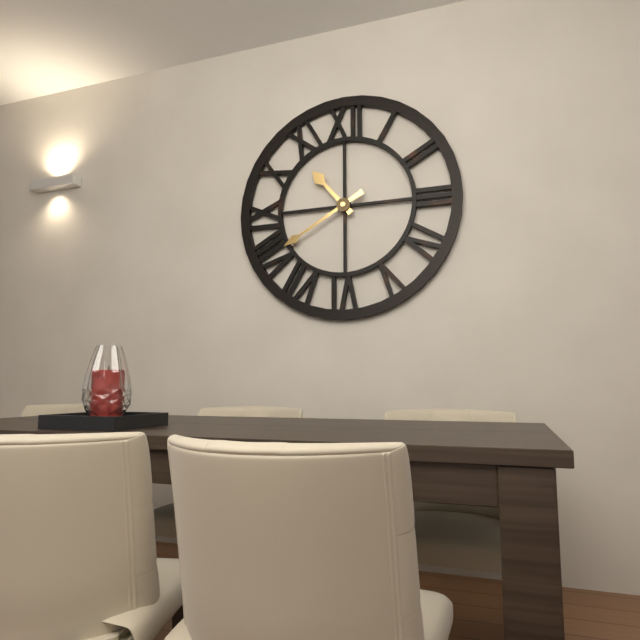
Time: **10:40**
